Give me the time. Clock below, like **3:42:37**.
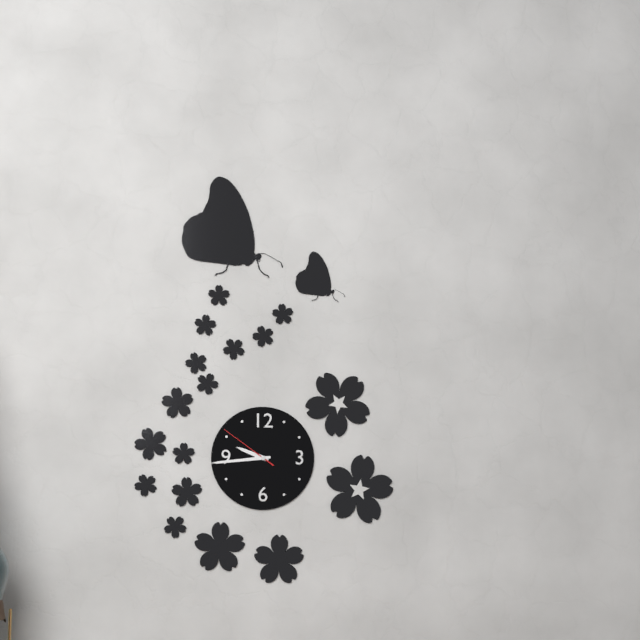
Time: **9:44:51**
